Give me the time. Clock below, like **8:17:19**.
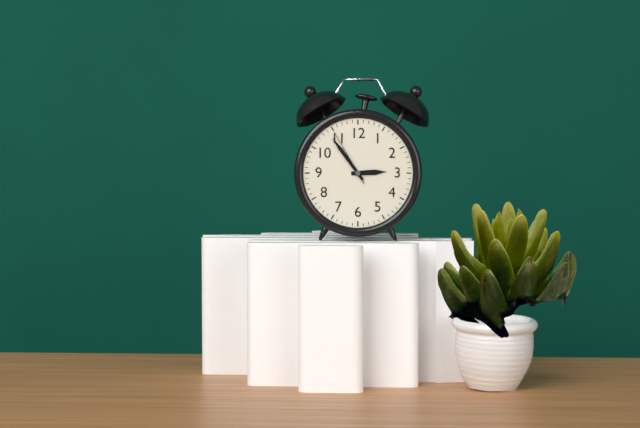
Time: **2:54:55**
